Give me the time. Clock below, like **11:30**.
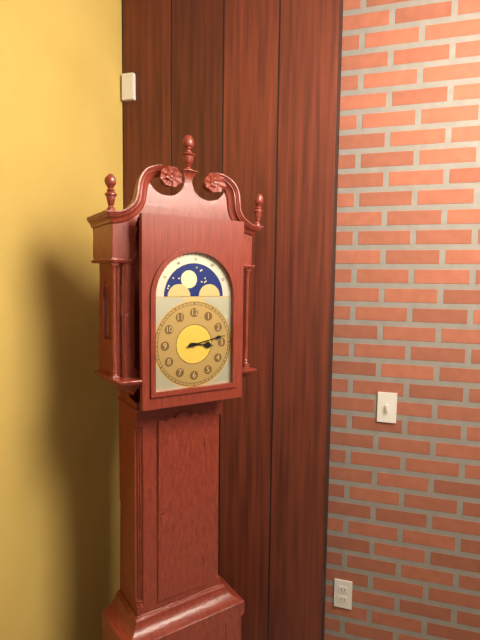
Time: **3:13**
